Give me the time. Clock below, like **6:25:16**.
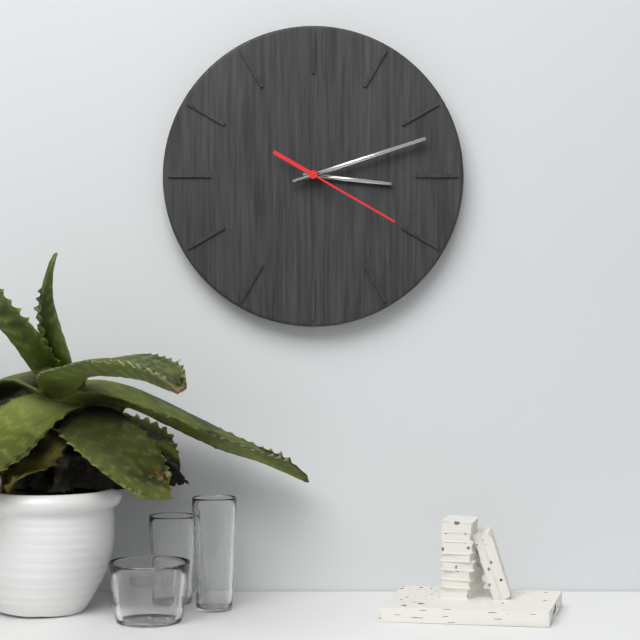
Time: **3:12:20**
